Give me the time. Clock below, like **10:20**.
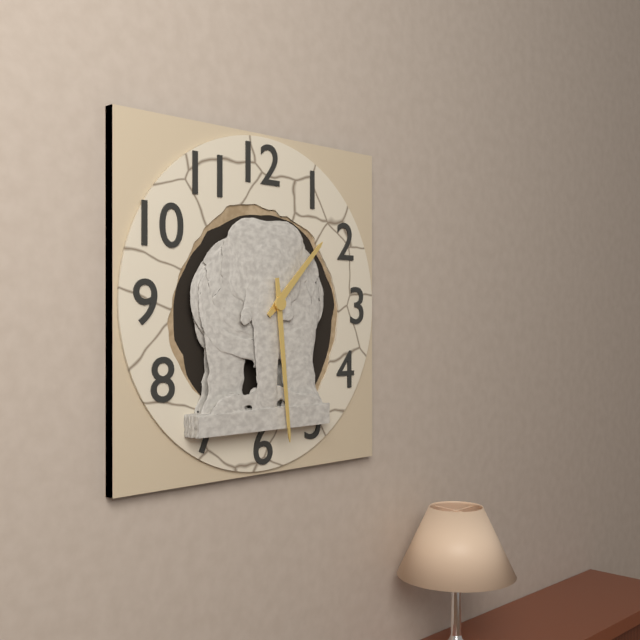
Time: **1:29**
